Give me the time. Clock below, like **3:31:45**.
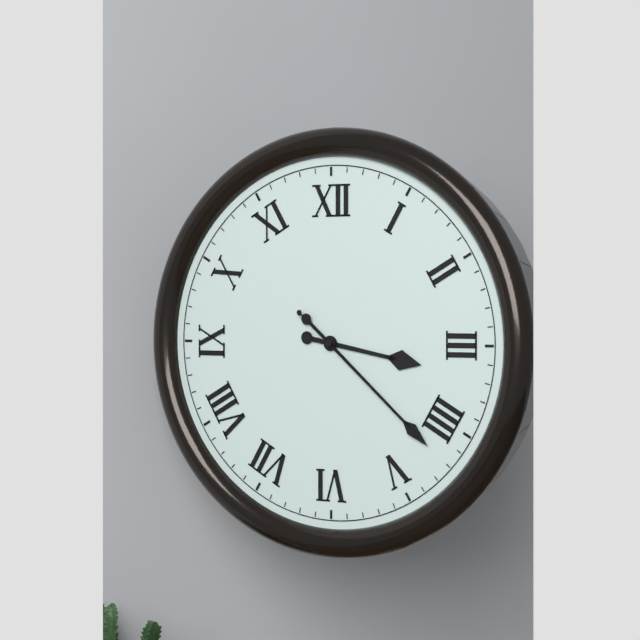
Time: **3:22:22**
